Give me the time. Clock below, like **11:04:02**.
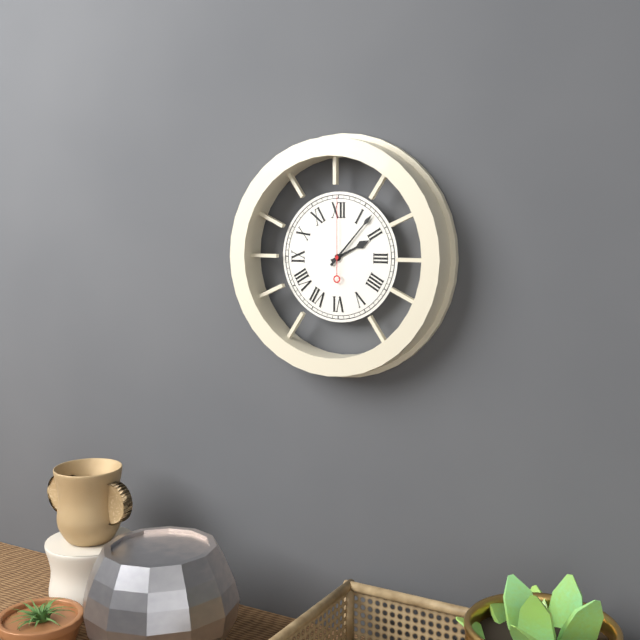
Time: **2:07:00**
